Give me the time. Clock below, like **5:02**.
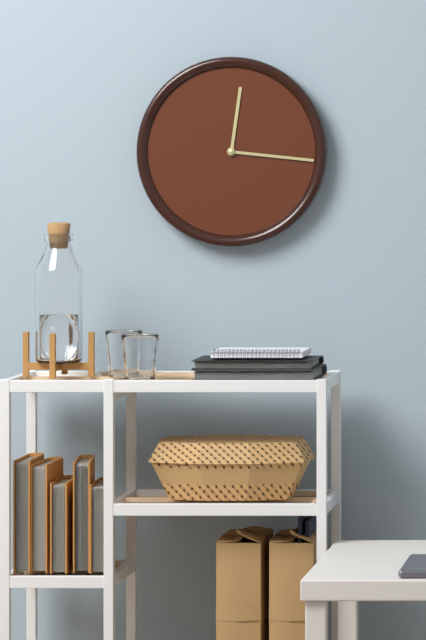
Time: **12:16**
